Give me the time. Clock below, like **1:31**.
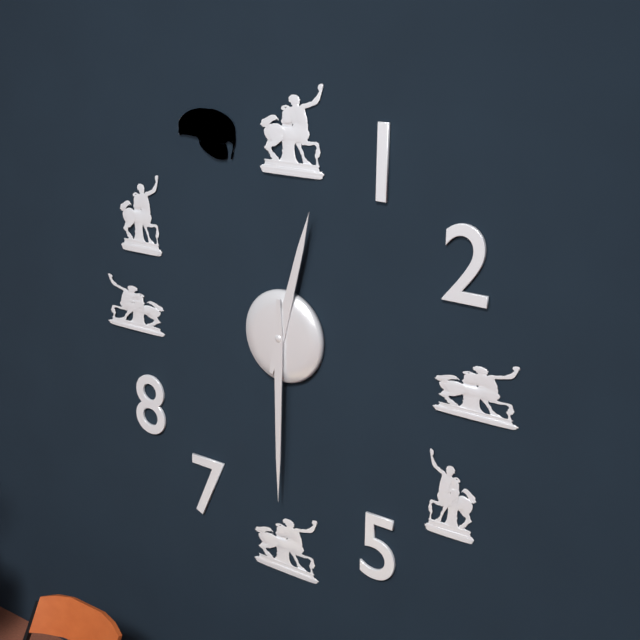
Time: **12:30**
